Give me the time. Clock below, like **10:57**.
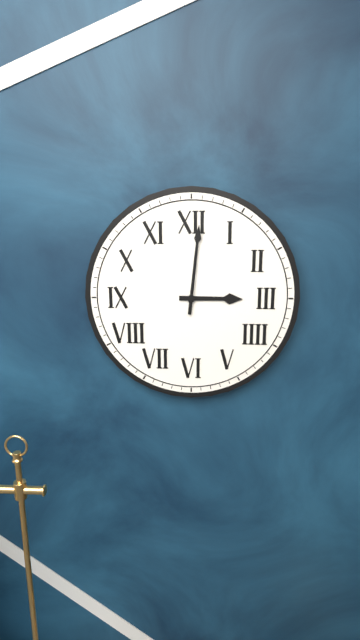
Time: **3:01**
